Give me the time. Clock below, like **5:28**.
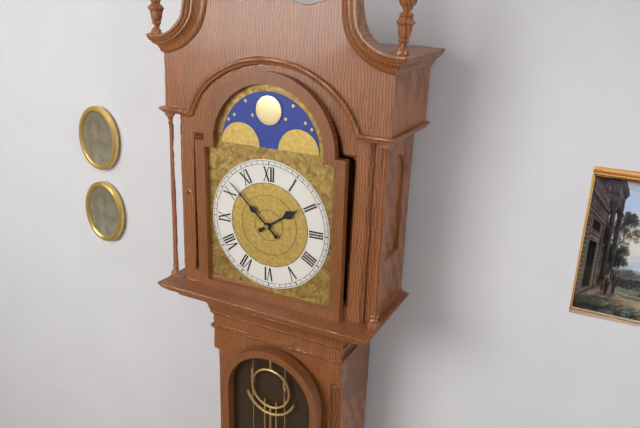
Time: **1:52**
